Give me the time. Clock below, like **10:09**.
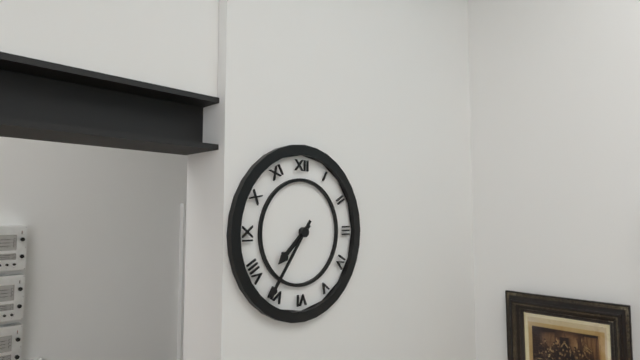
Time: **7:36**
